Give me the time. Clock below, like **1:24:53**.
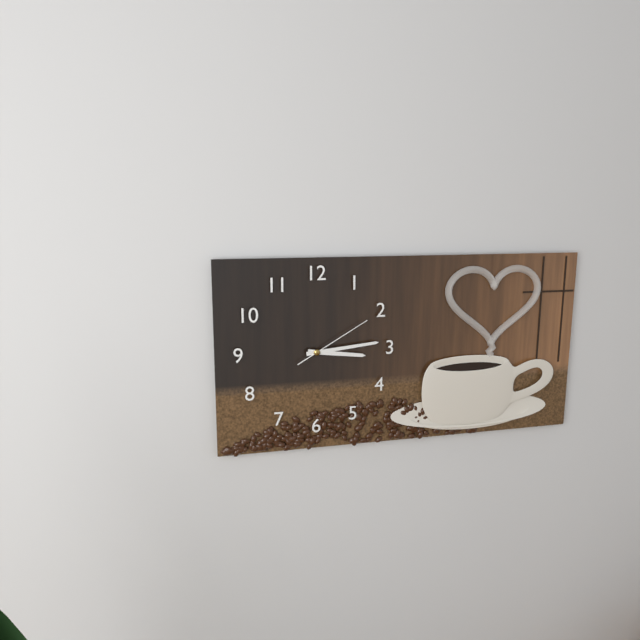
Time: **3:14:10**
